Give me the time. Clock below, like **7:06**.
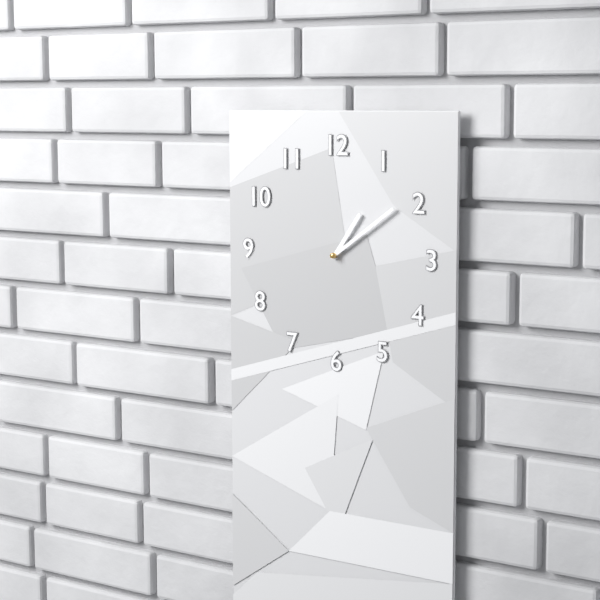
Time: **1:09**
